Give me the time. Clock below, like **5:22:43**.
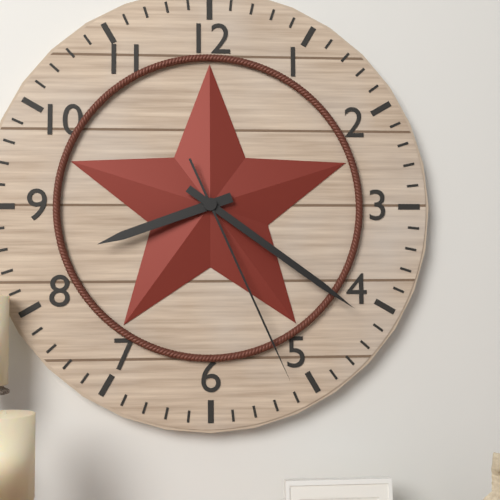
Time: **8:21:26**
